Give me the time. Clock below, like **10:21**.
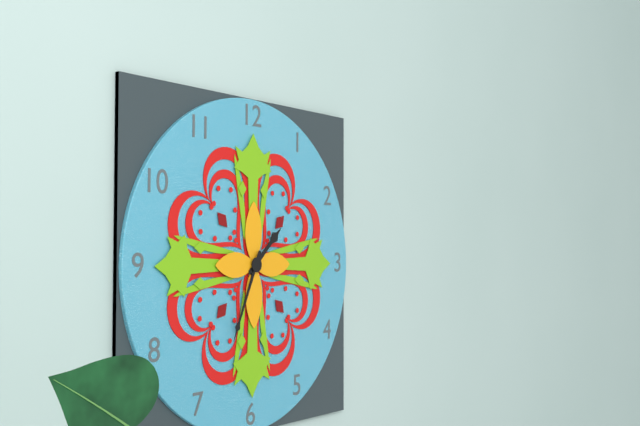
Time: **1:34**
